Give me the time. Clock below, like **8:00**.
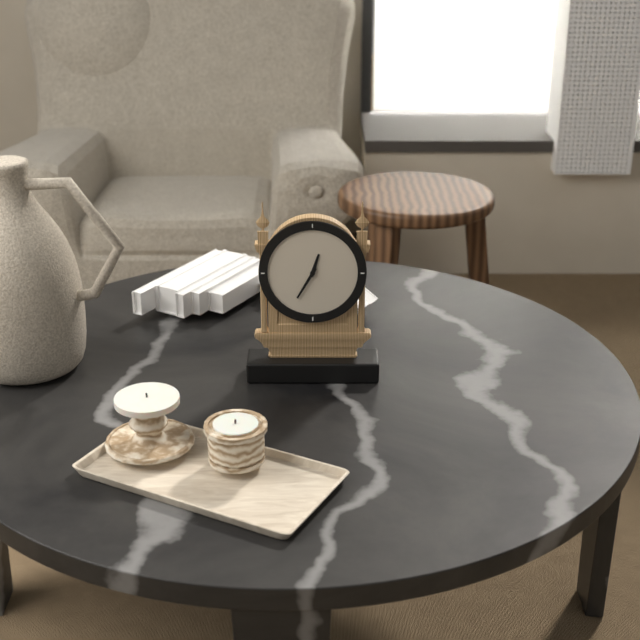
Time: **12:35**
